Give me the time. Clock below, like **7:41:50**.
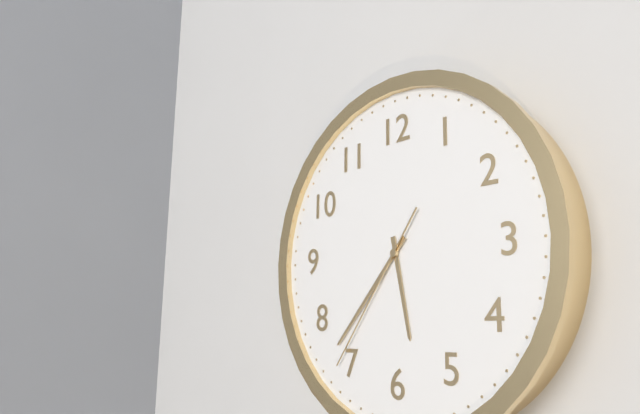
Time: **5:37:36**
